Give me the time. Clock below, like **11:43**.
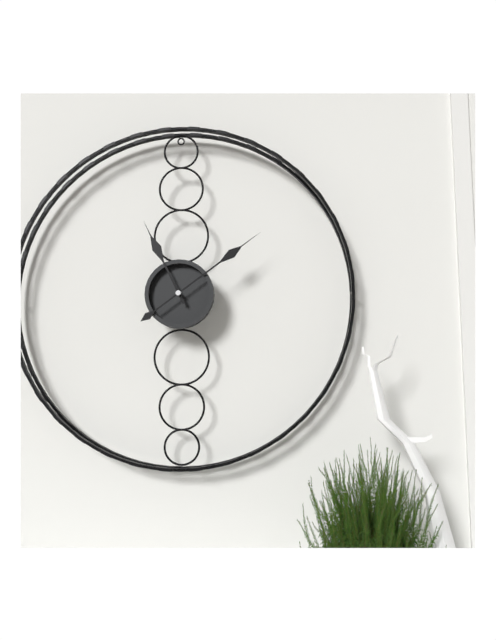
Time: **11:09**
